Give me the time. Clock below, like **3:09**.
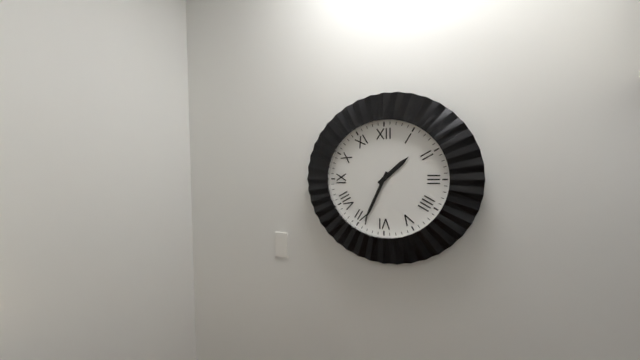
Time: **1:34**
